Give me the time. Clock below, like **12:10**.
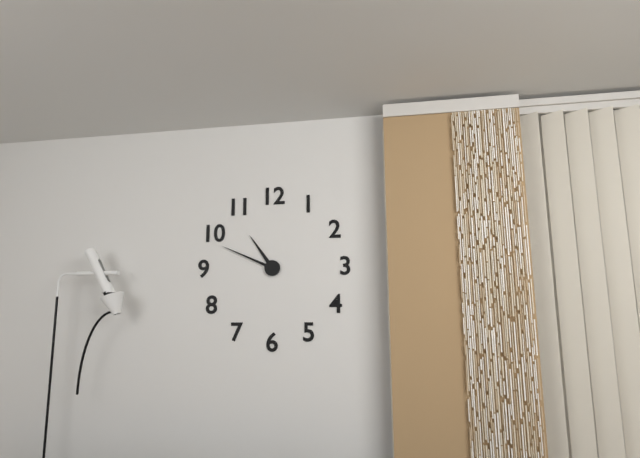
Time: **10:49**
